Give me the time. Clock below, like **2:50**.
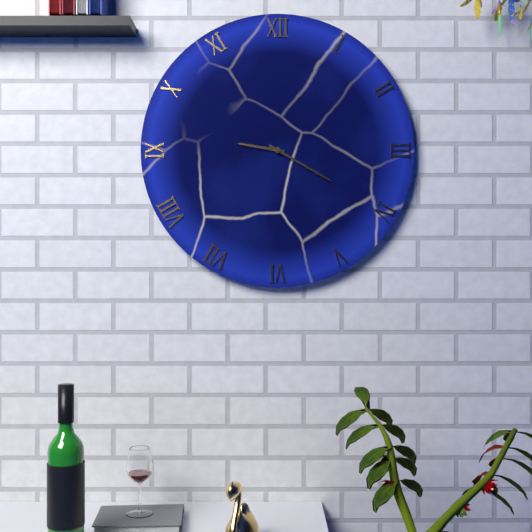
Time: **9:20**
